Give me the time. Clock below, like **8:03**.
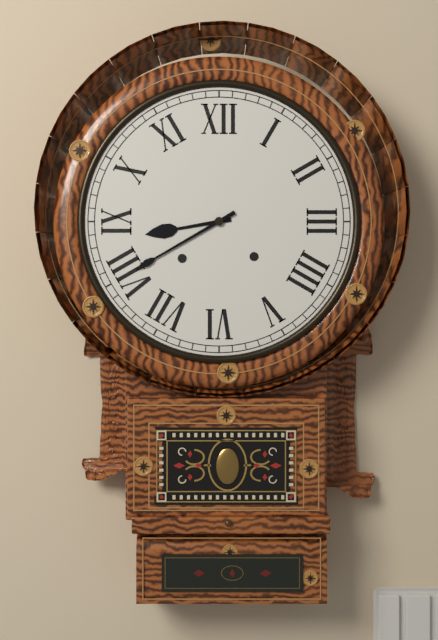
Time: **8:40**
